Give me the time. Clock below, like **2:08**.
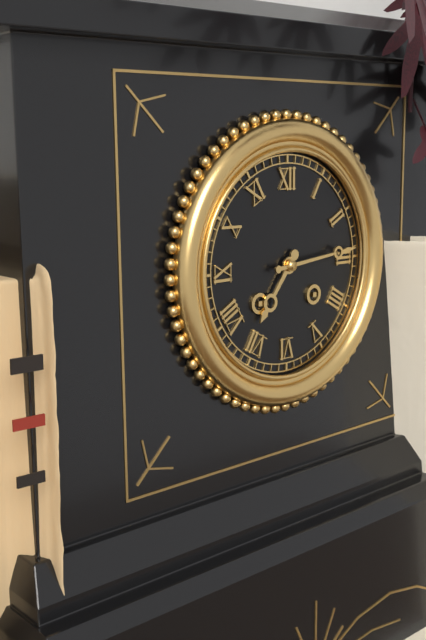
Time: **7:14**
